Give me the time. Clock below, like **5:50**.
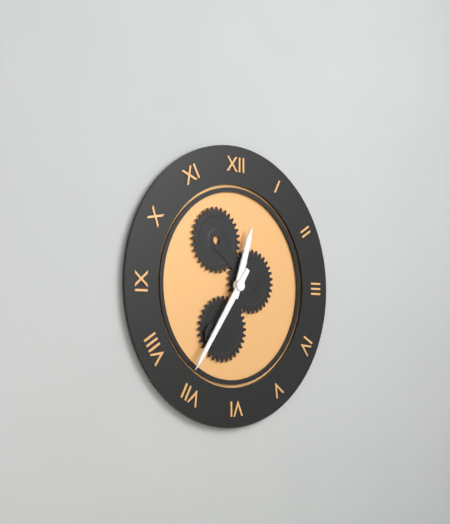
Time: **12:36**
